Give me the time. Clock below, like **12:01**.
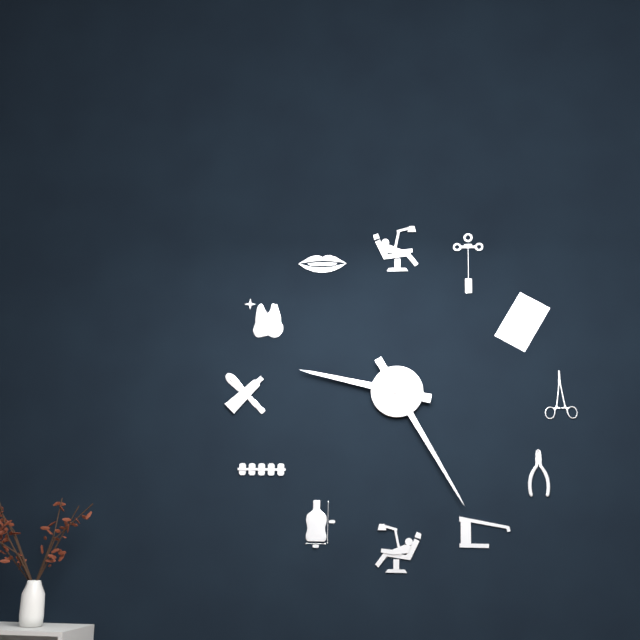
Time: **9:25**
